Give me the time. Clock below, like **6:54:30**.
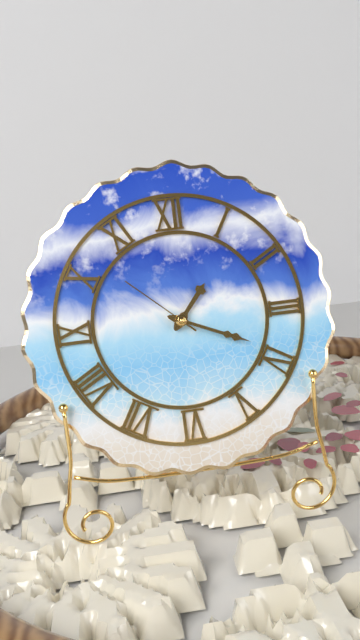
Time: **1:19:52**
